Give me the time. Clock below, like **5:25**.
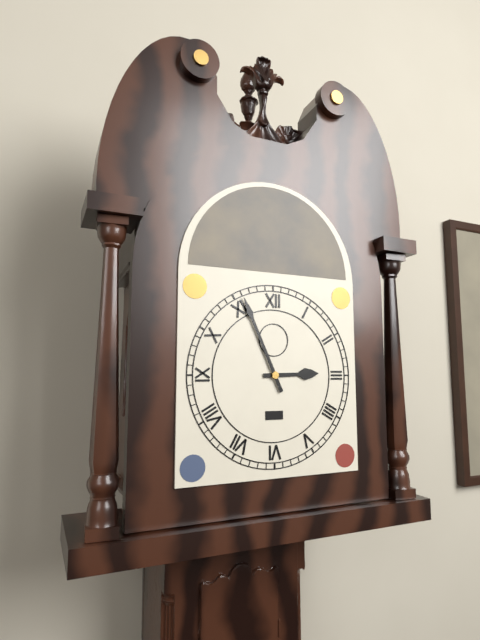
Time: **2:56**
